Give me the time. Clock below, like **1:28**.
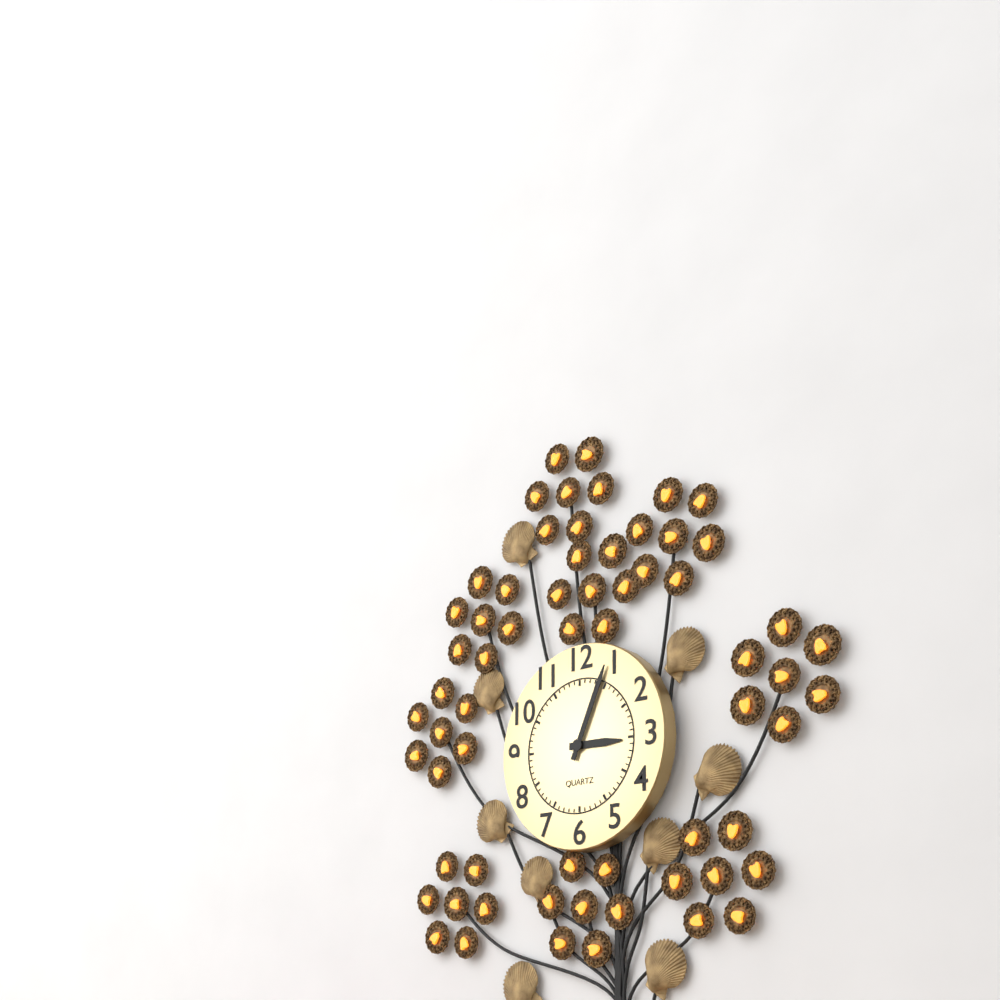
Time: **3:04**
